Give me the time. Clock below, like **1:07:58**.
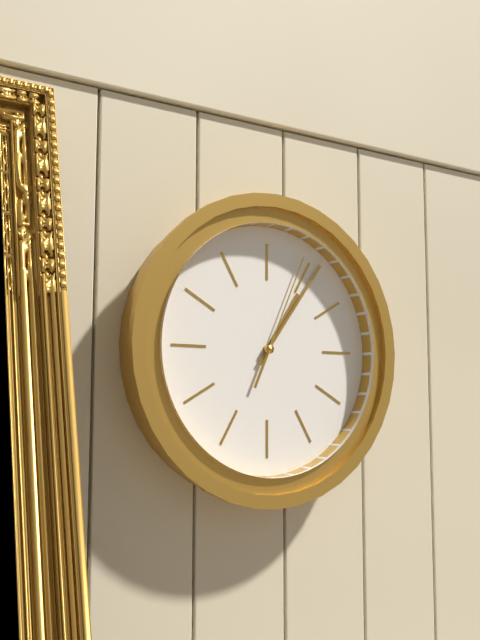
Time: **1:06:04**
